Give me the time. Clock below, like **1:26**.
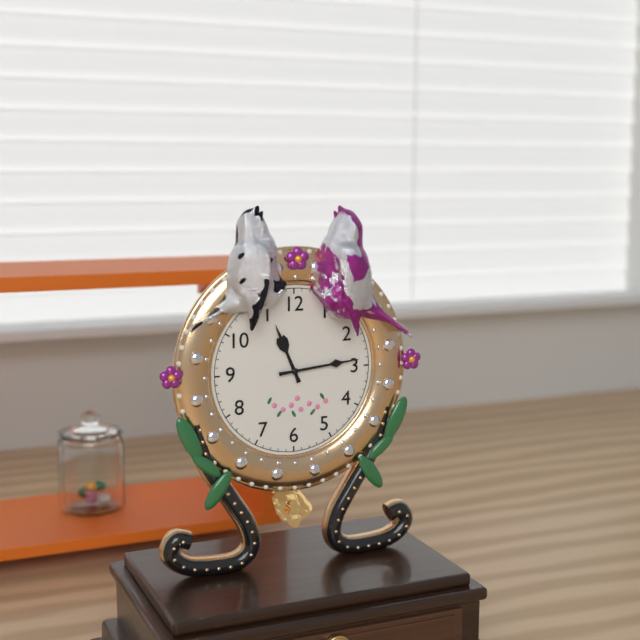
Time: **11:14**
